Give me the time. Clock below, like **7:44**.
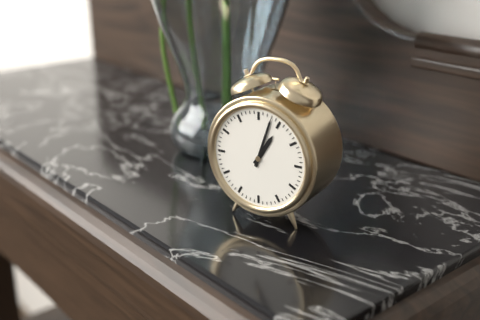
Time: **1:03**
